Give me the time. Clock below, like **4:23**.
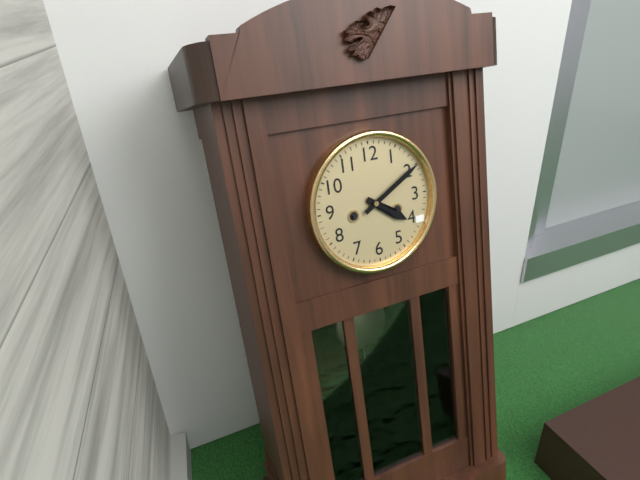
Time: **4:10**
